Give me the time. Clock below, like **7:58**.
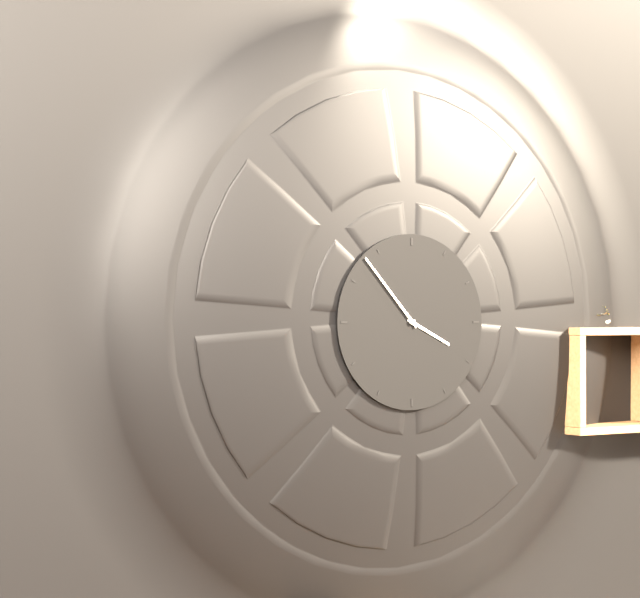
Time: **3:53**
